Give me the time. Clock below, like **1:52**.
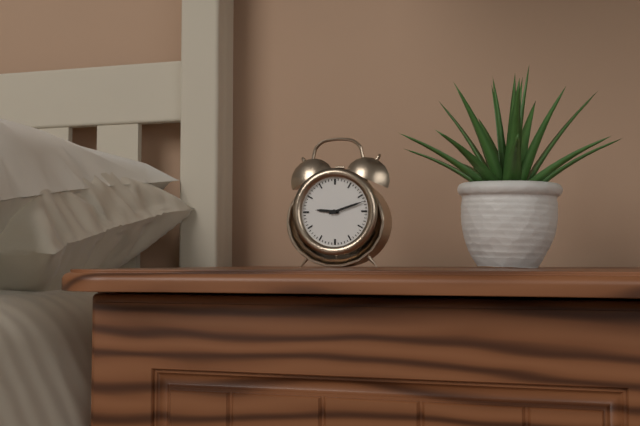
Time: **9:12**
